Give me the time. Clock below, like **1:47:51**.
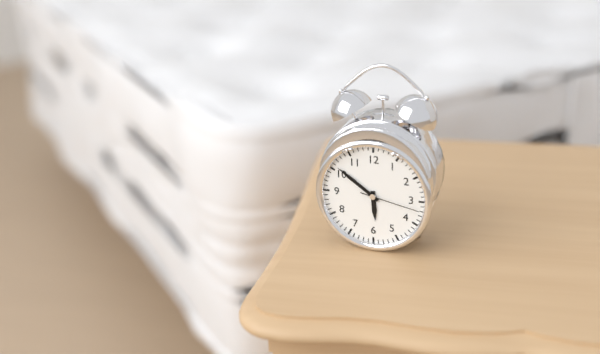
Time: **5:51:17**
